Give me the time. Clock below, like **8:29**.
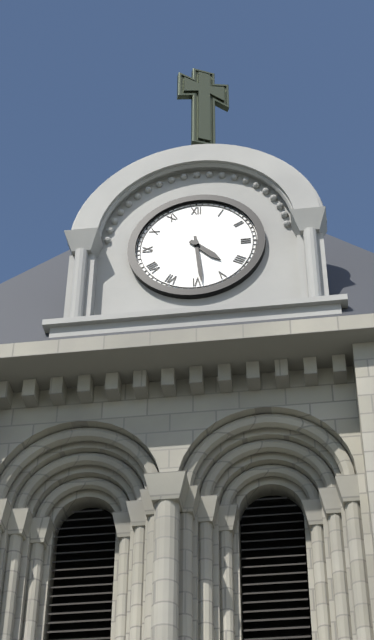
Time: **4:29**
